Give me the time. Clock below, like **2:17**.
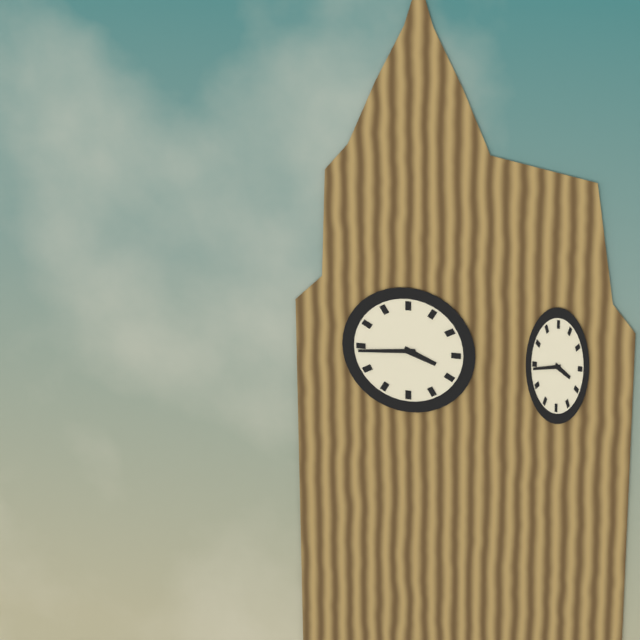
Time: **3:44**
